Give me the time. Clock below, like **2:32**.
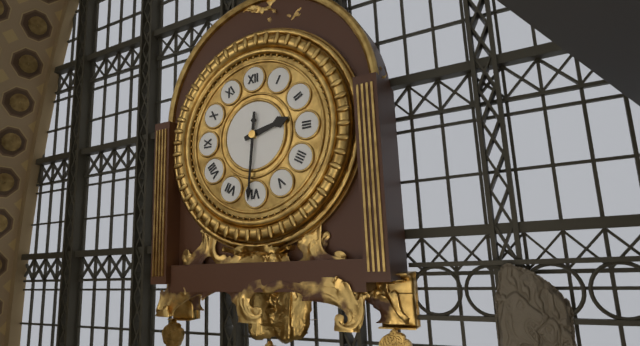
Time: **2:31**
